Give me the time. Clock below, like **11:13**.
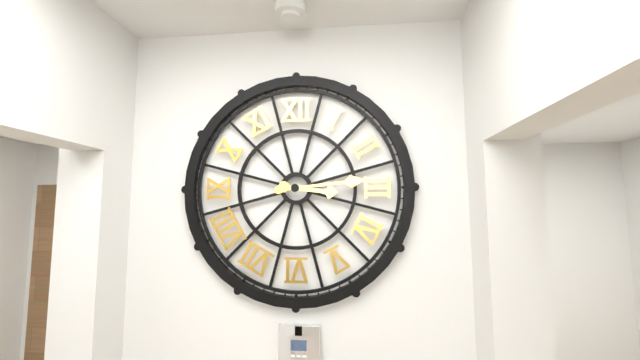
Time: **3:14**
